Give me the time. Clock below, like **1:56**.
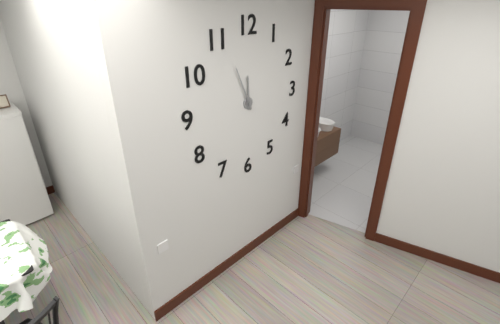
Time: **11:56**
